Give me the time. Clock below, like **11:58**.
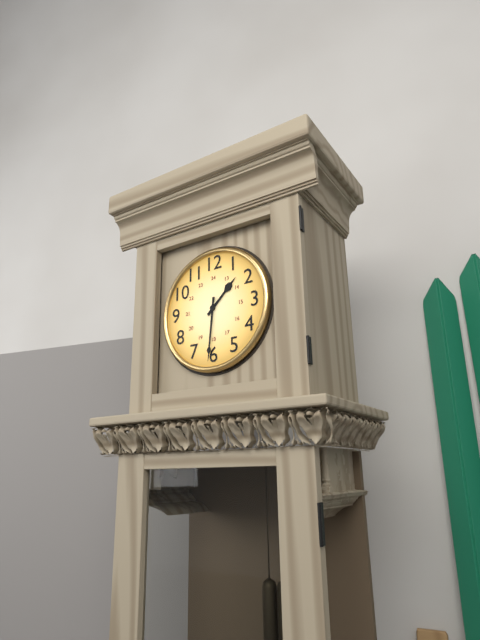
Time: **1:31**
